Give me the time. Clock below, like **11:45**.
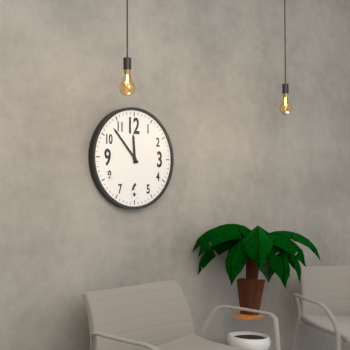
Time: **11:53**
